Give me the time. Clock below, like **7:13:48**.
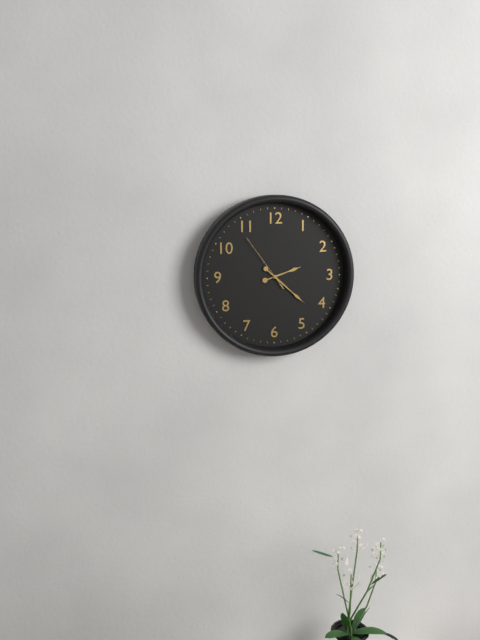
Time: **2:22:54**
